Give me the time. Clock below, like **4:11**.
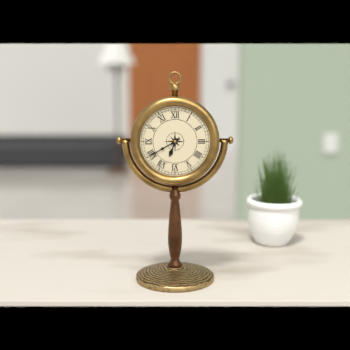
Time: **6:40**
